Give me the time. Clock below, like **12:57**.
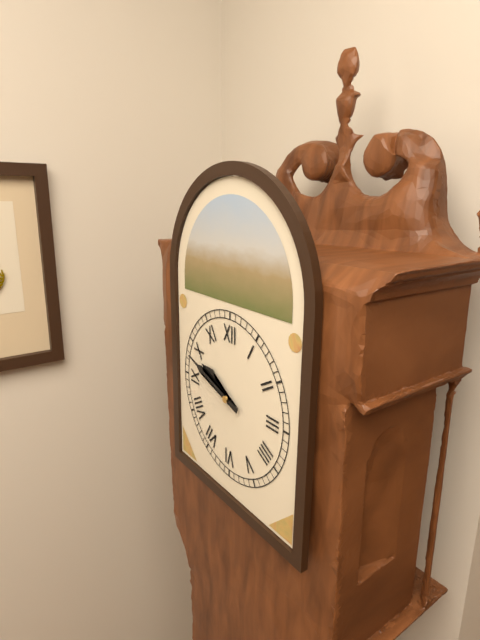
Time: **9:48**
